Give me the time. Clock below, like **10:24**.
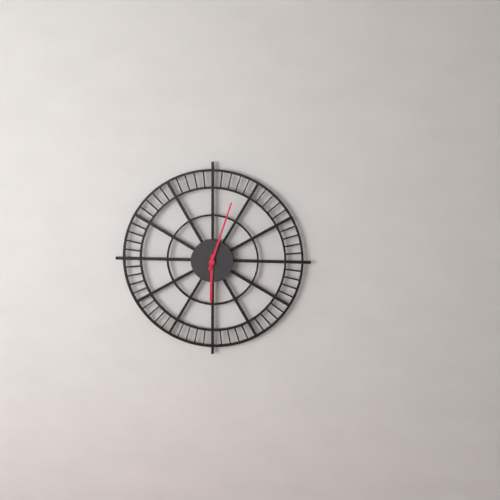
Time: **6:03**
